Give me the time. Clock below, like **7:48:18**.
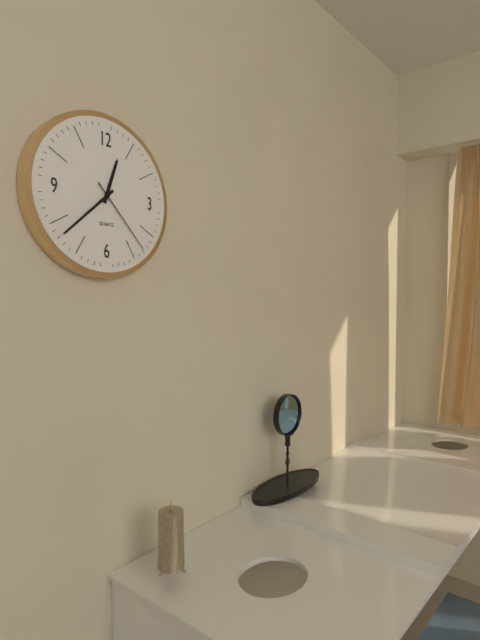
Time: **12:38:23**
